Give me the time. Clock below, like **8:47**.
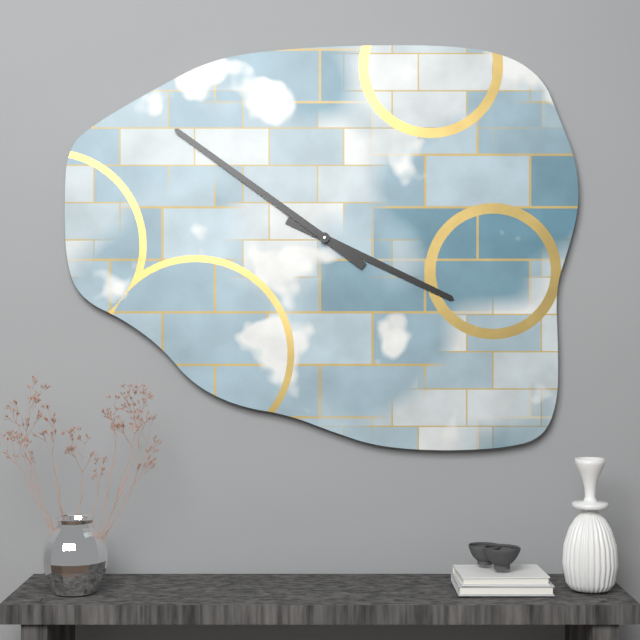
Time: **3:51**
